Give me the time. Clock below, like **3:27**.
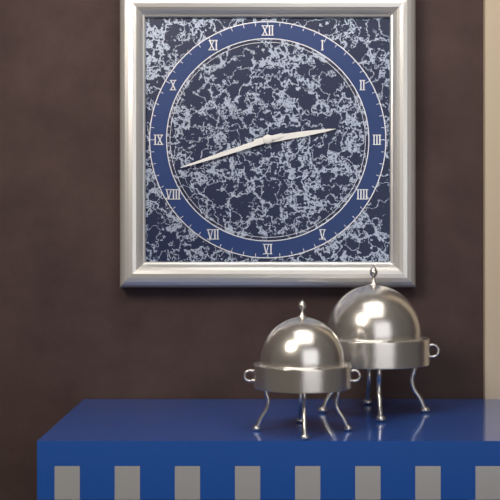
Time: **2:42**
